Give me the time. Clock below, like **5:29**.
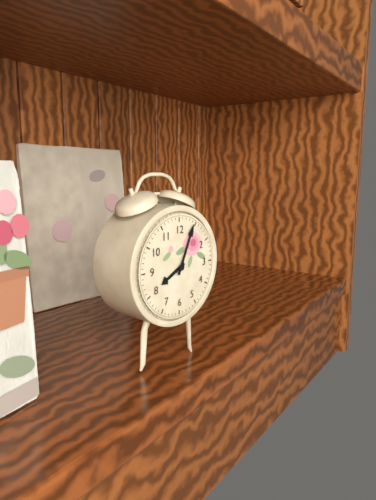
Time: **8:04**
